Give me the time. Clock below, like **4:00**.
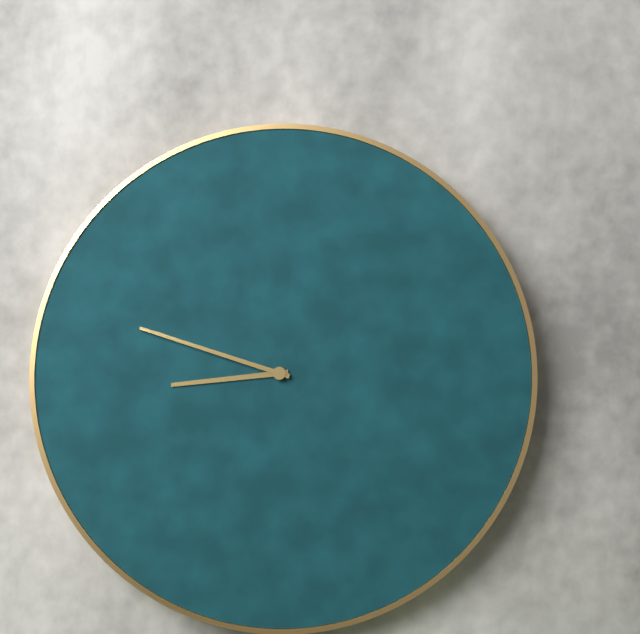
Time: **8:48**
